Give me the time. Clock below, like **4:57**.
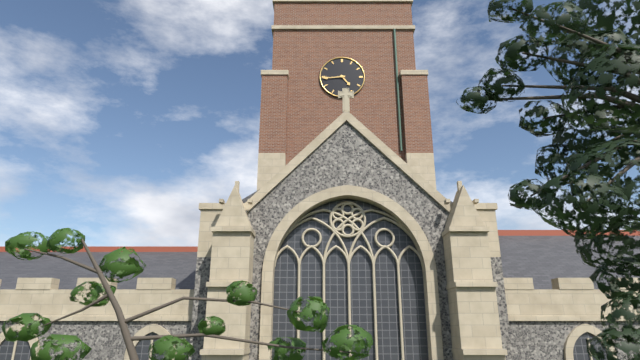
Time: **4:44**
